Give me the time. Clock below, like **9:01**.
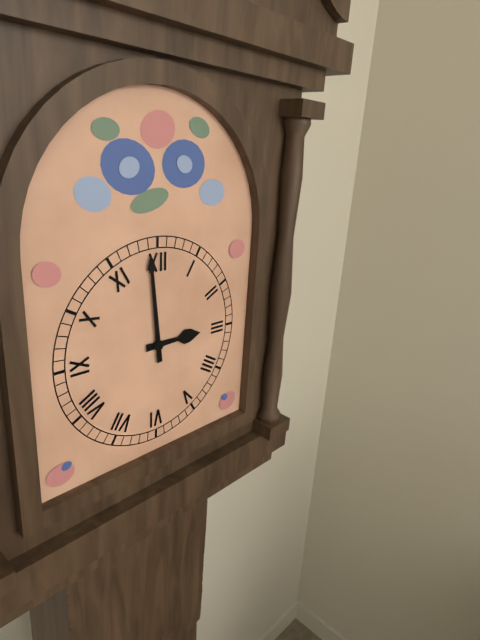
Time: **2:59**
